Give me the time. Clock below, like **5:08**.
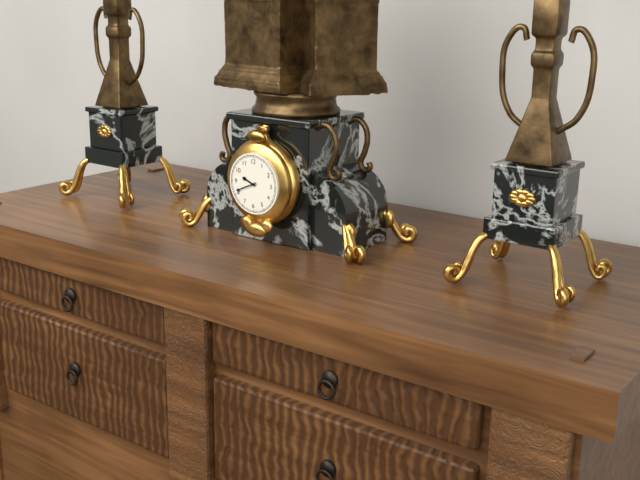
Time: **9:41**
